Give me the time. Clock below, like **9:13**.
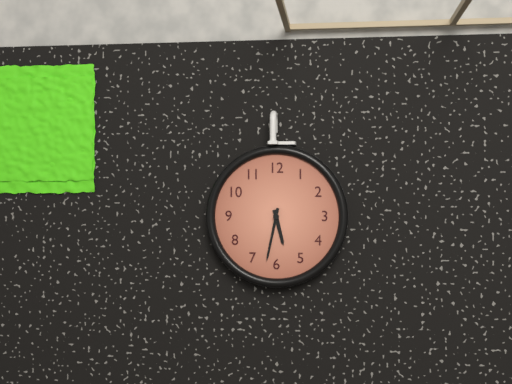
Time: **5:32**
